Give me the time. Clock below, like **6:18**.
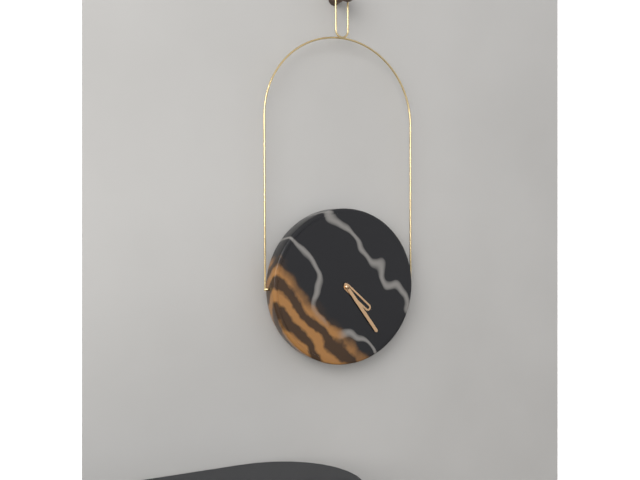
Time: **4:24**
